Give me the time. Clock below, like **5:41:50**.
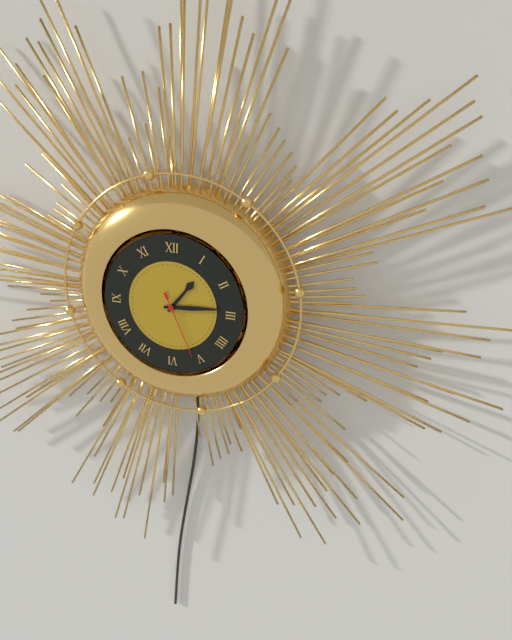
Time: **1:14:26**
